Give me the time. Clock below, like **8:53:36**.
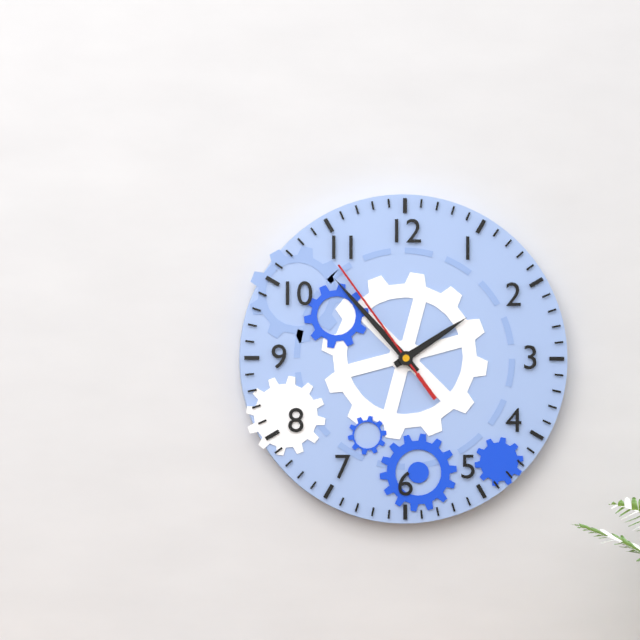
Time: **1:53:54**
